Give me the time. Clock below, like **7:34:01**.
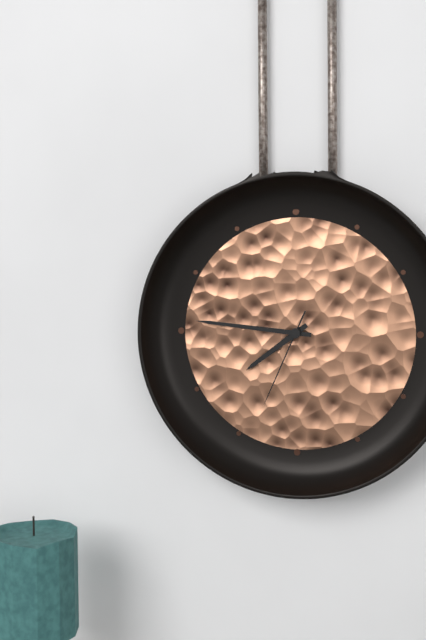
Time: **7:46:34**
